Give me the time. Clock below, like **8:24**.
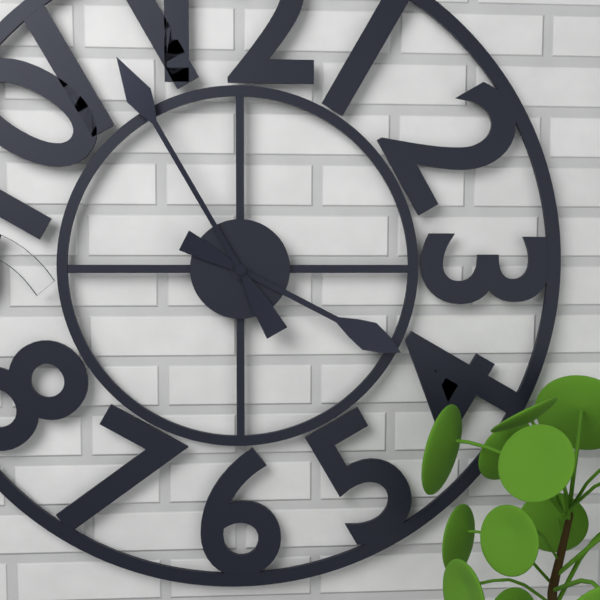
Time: **3:55**
